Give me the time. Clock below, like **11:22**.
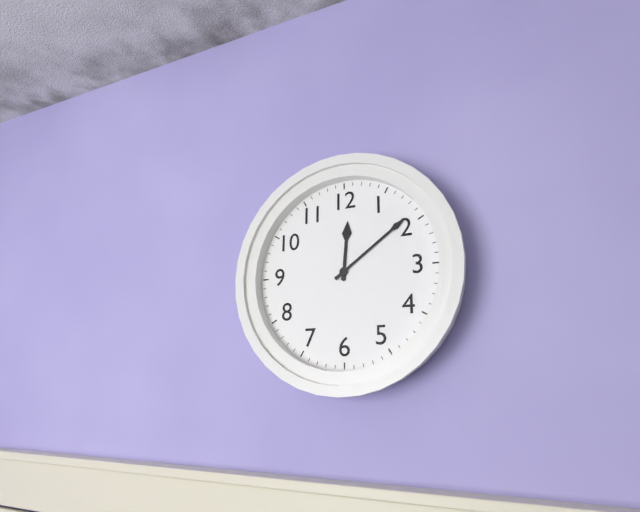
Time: **12:09**
